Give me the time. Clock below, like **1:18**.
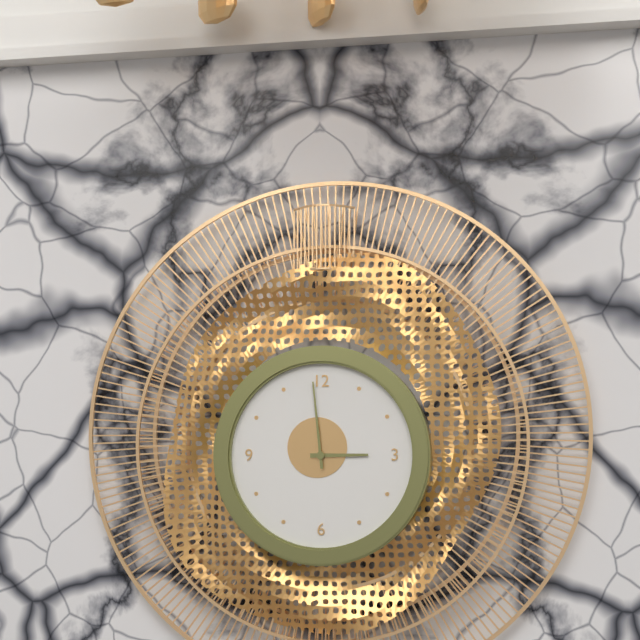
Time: **2:59**
